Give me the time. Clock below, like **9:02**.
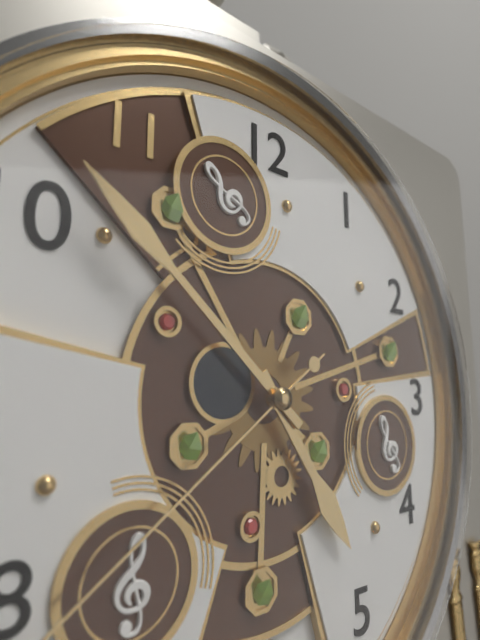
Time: **4:52**
